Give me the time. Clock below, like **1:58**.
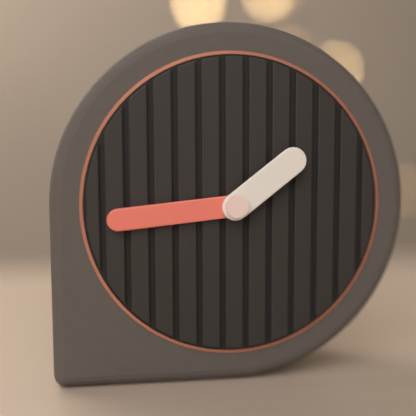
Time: **1:44**
